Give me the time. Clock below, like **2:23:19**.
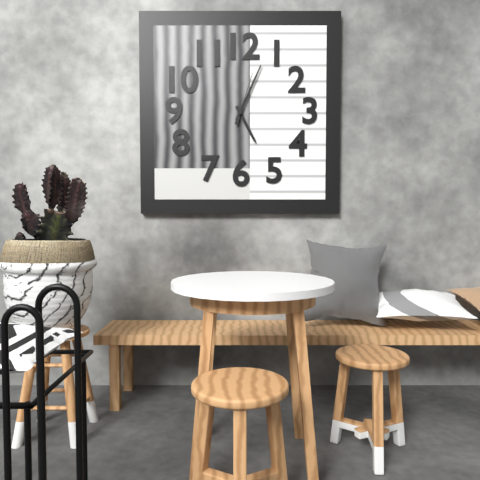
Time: **5:04:03**
